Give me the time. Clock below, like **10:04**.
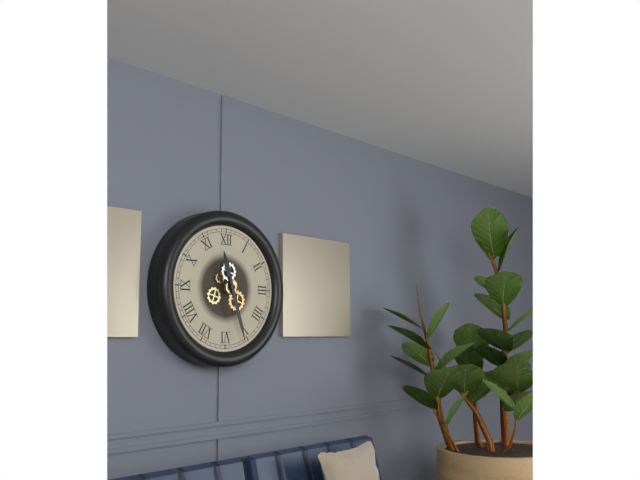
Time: **11:27**
